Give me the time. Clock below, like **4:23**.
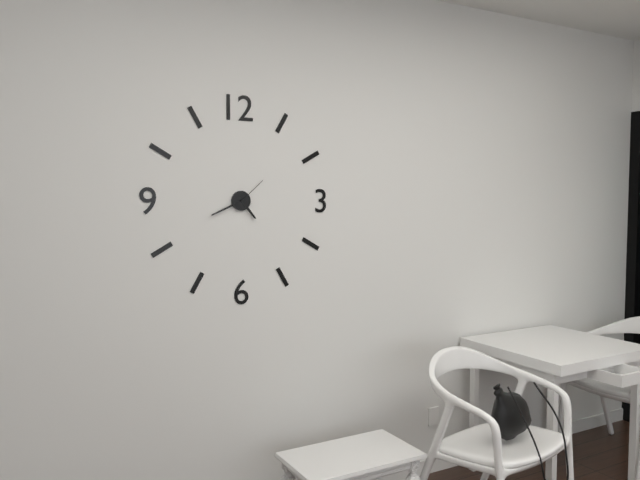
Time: **4:41**
